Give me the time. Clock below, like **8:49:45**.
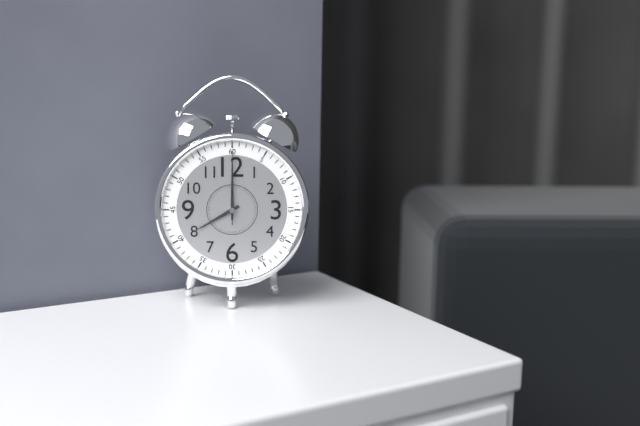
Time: **8:00:00**
